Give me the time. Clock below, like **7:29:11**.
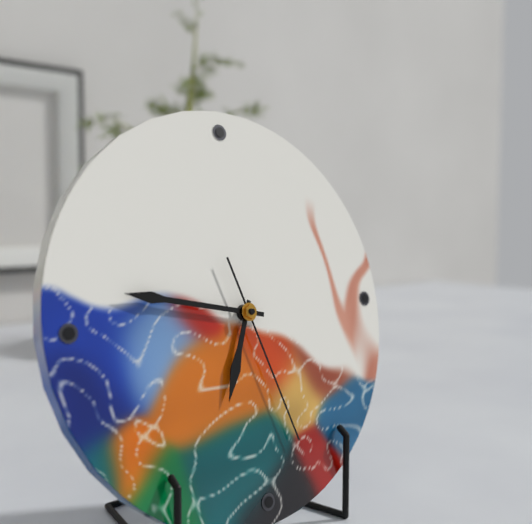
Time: **6:47:27**
